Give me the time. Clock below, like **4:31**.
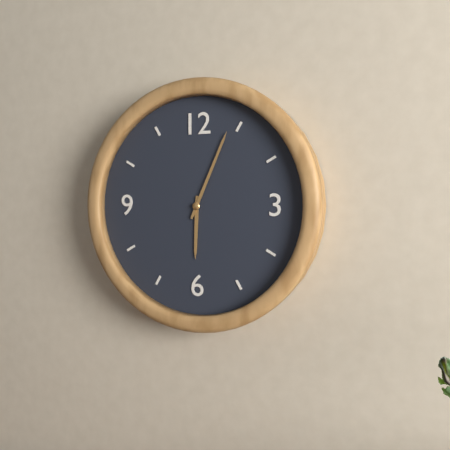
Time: **6:04**
